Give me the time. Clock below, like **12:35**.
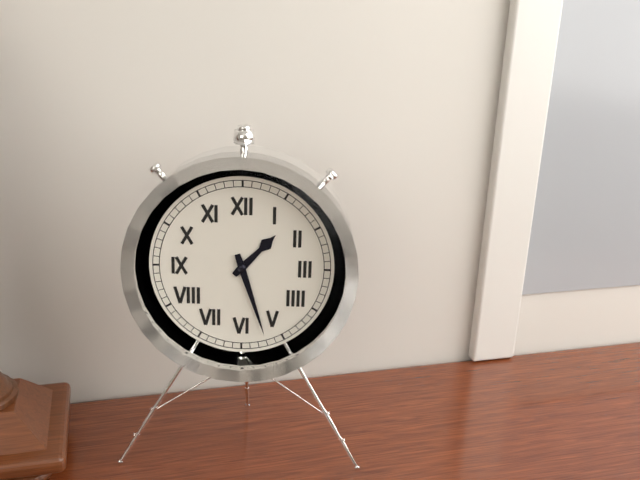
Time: **1:27**
